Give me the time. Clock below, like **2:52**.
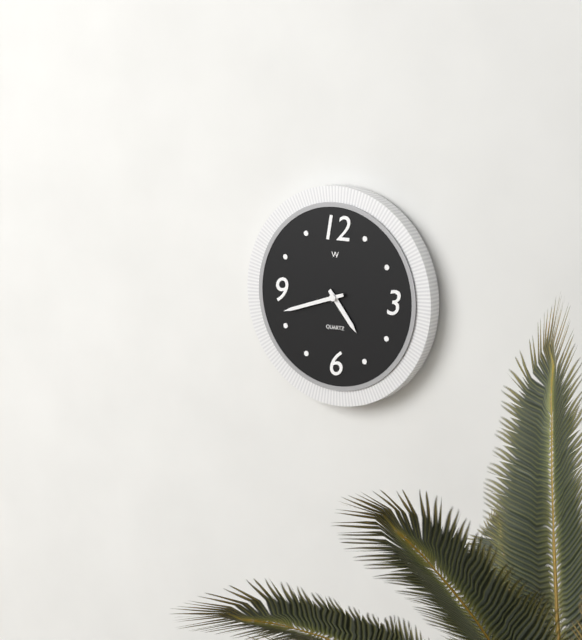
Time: **4:42**
